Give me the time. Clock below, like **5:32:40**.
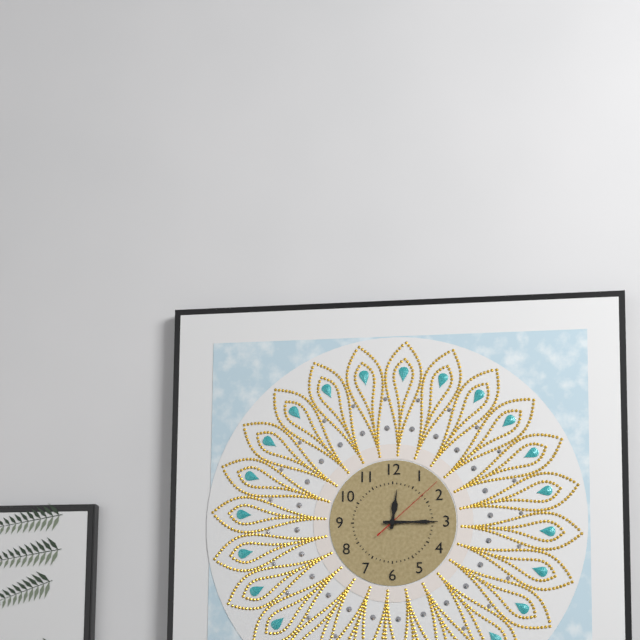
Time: **12:15:08**
